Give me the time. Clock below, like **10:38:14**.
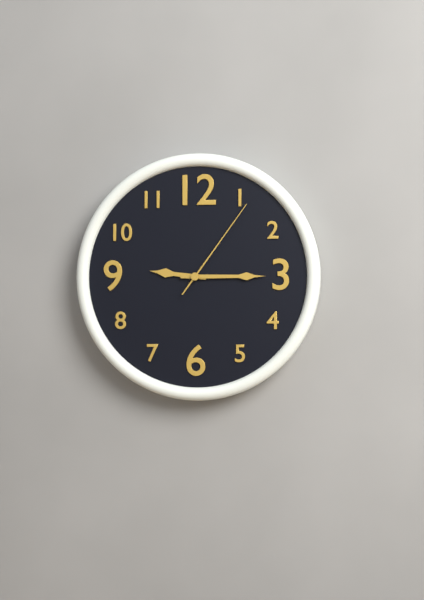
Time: **9:15:06**
